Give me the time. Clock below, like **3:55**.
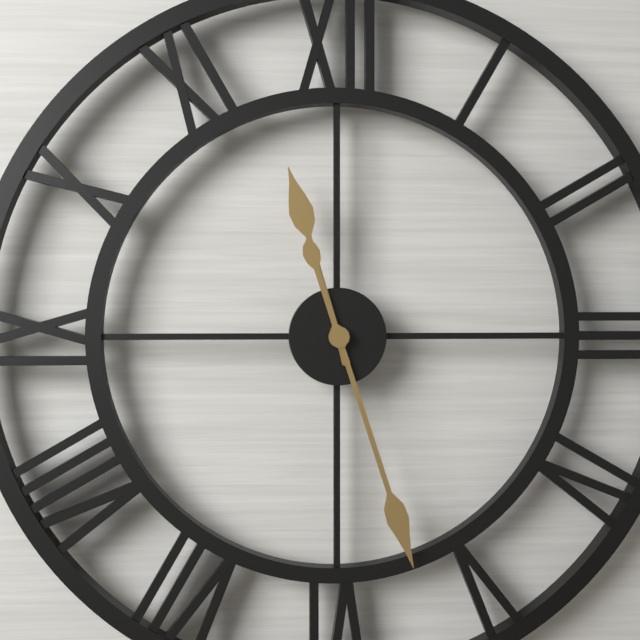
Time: **11:27**
